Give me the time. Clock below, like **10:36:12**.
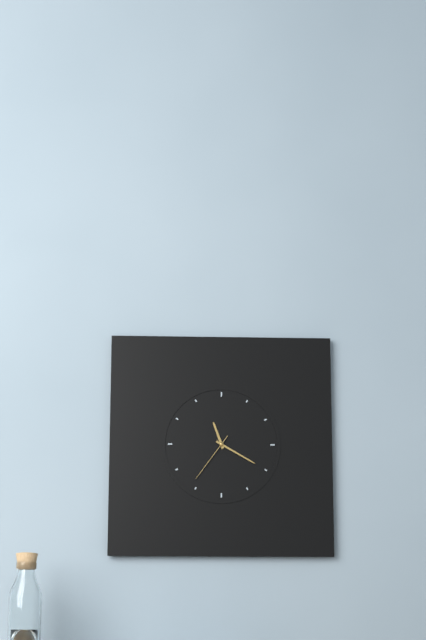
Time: **11:20:36**
